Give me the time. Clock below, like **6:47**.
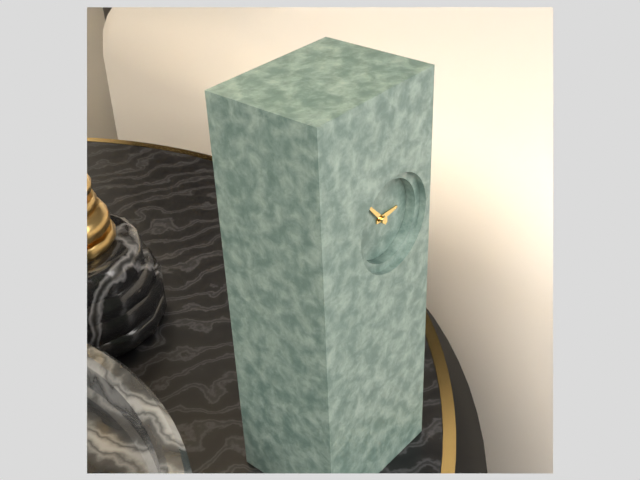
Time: **2:53**
